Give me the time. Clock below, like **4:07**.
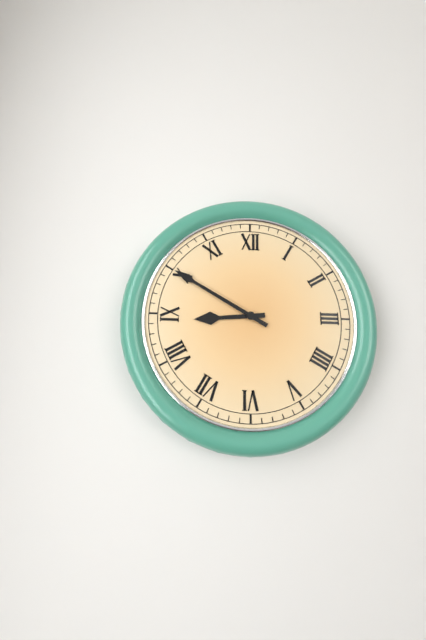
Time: **8:50**
